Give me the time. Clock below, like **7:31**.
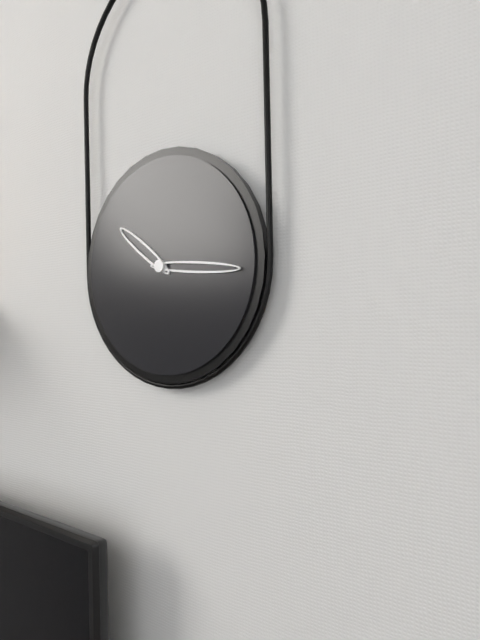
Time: **10:16**
